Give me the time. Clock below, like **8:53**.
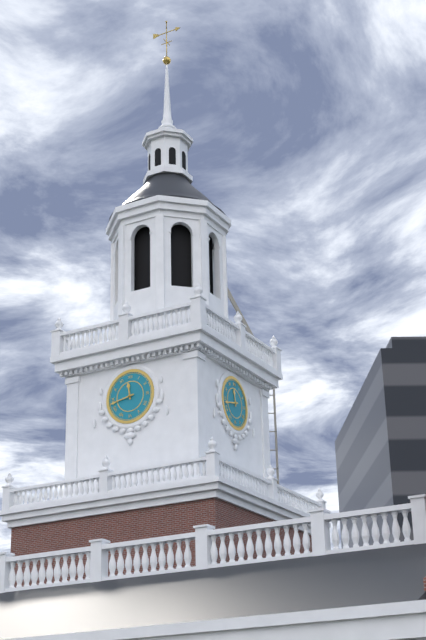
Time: **11:43**
